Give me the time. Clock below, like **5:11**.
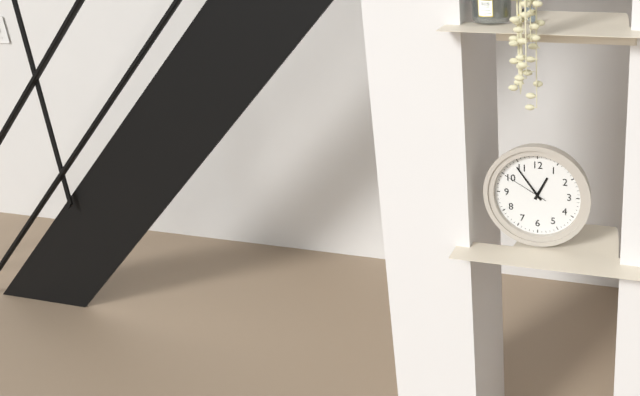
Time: **12:54**
